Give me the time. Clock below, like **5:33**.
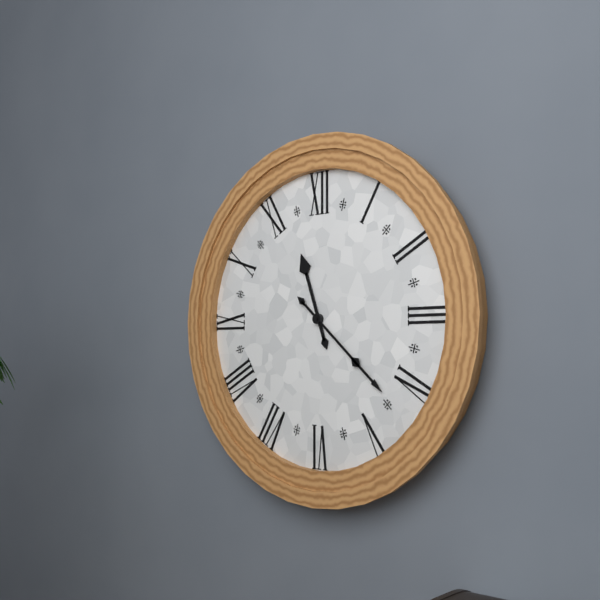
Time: **11:22**
